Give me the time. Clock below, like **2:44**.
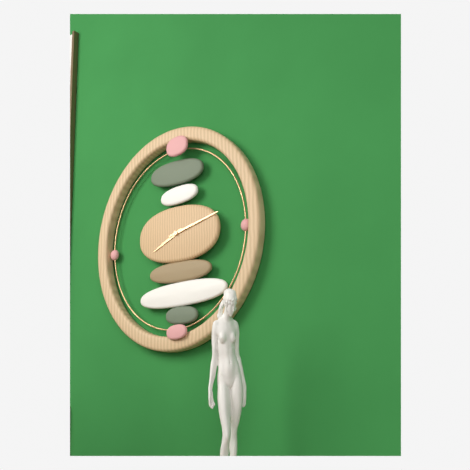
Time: **8:13**
